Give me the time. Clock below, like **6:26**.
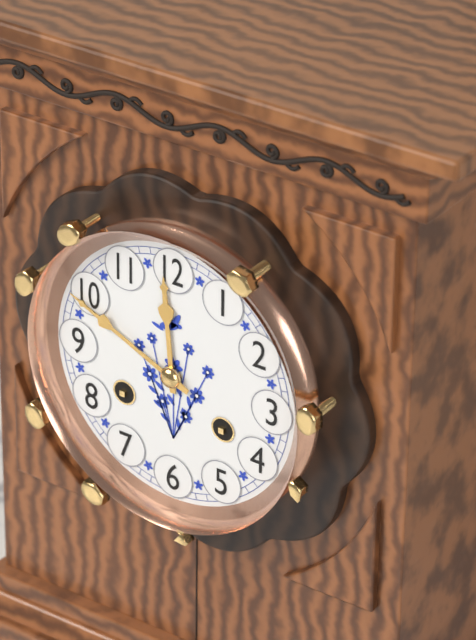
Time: **11:49**
